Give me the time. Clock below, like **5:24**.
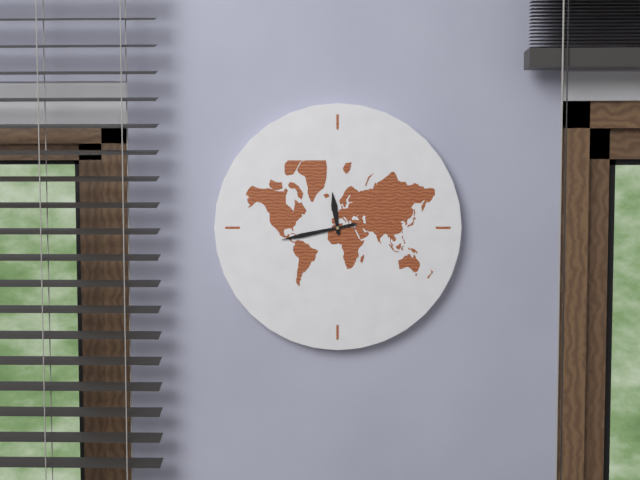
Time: **11:43**
